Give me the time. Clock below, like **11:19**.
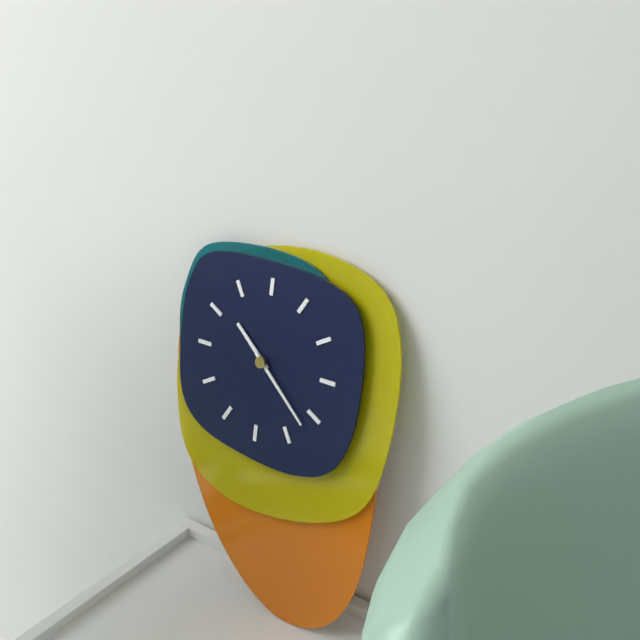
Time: **10:22**
